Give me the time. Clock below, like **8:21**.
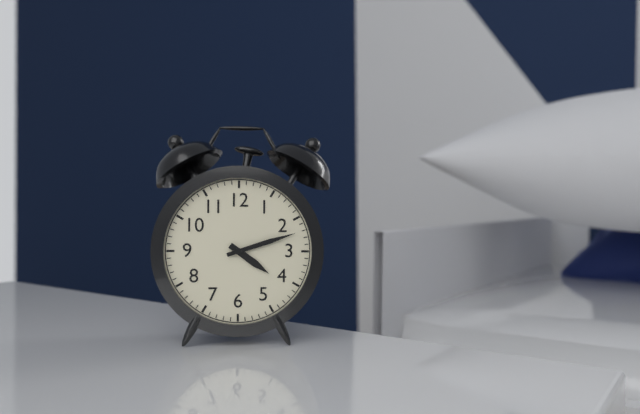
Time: **4:12**
